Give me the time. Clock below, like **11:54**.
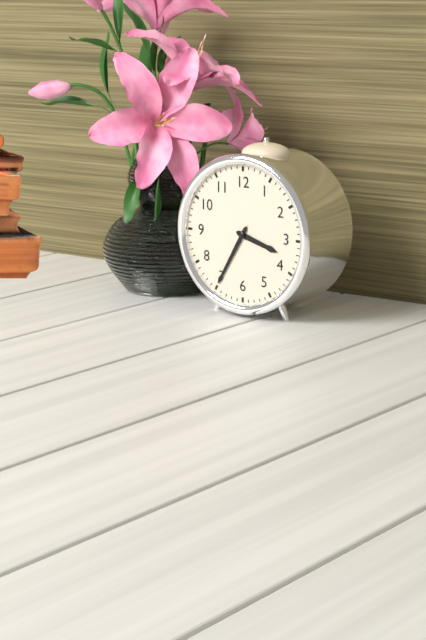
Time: **3:35**
